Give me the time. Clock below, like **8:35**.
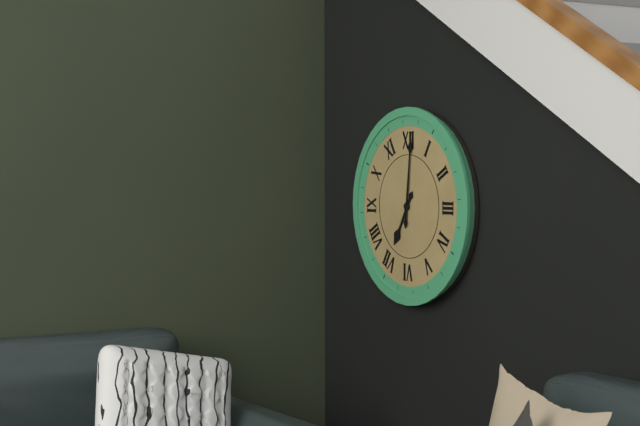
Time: **7:01**
